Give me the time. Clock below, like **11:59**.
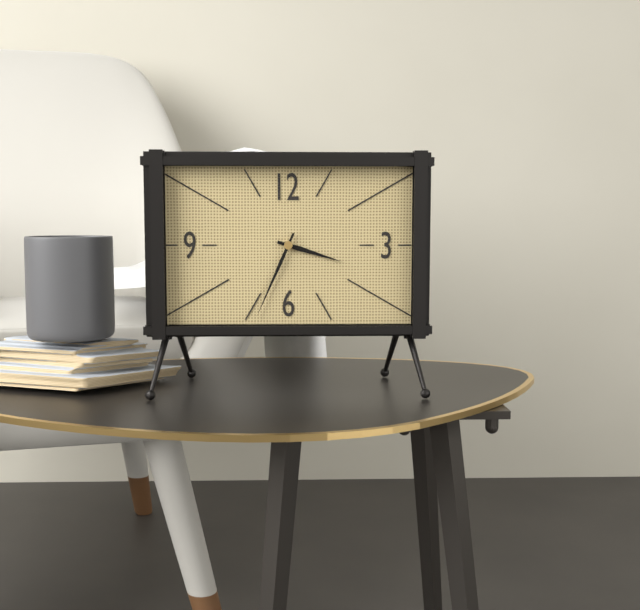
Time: **3:34**
